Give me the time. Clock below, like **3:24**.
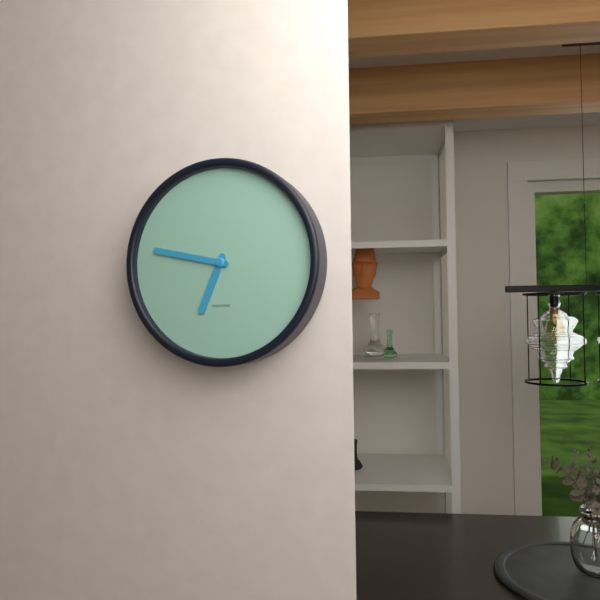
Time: **6:47**
